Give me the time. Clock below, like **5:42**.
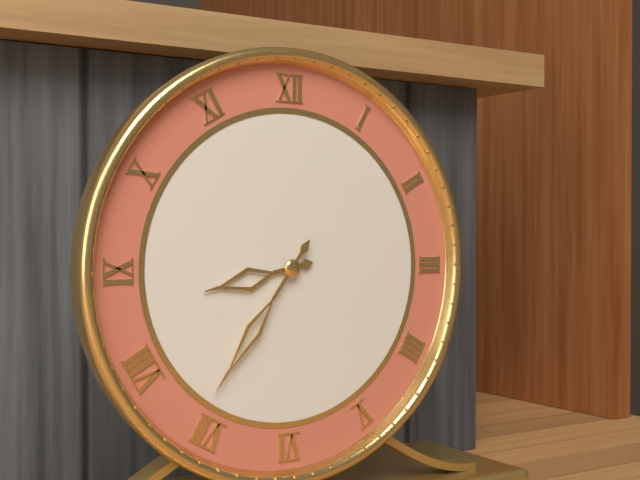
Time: **8:36**
